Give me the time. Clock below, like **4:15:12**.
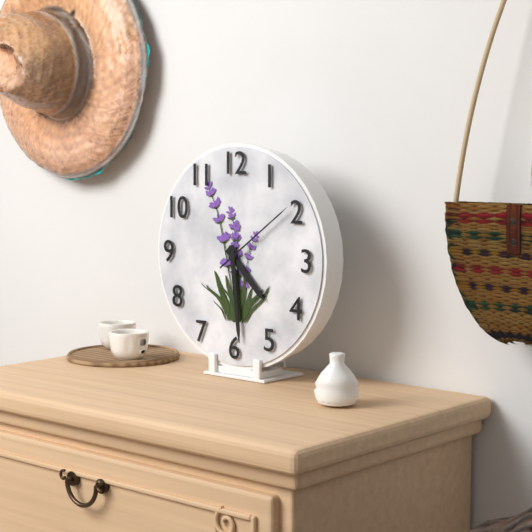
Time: **4:29:09**
